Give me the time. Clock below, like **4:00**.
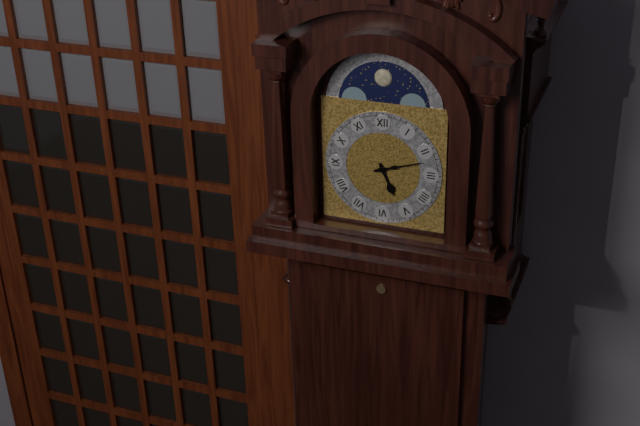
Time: **5:12**
